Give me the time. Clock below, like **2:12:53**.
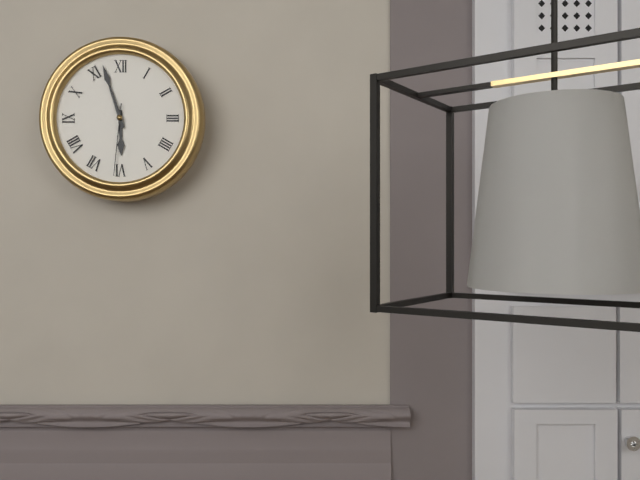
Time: **5:57:31**
